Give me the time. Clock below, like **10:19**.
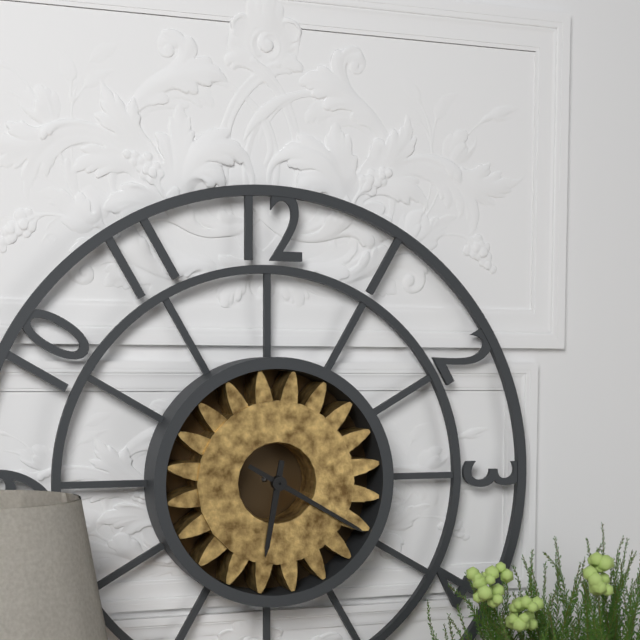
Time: **6:20**
